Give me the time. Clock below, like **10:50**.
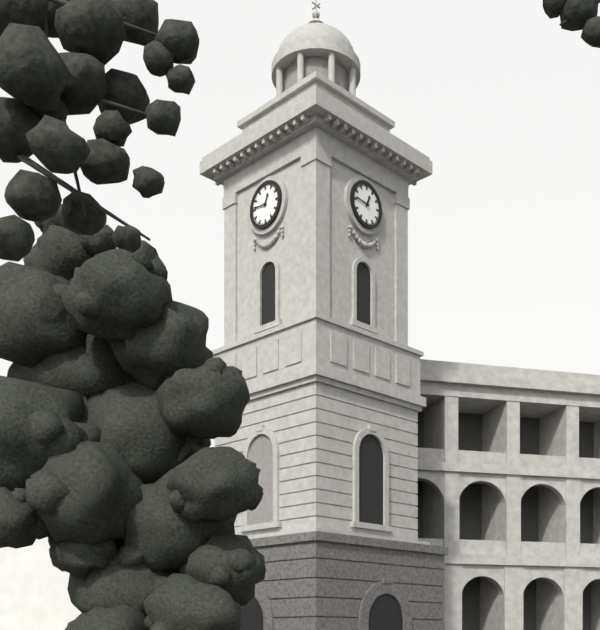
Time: **12:46**
